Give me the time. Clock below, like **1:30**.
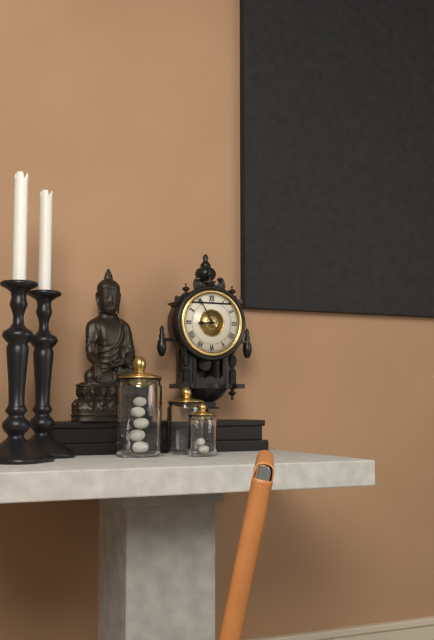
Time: **8:55**
